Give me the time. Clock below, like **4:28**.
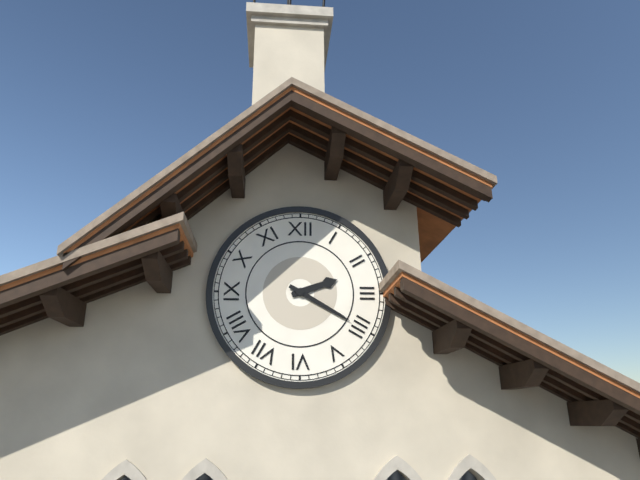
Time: **2:20**
